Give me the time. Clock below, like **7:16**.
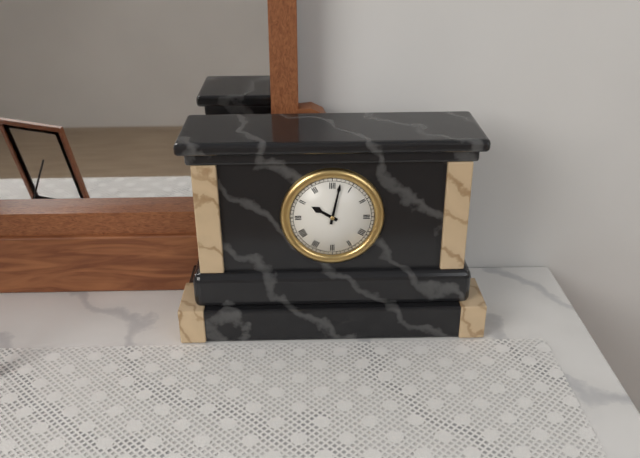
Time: **10:02**
